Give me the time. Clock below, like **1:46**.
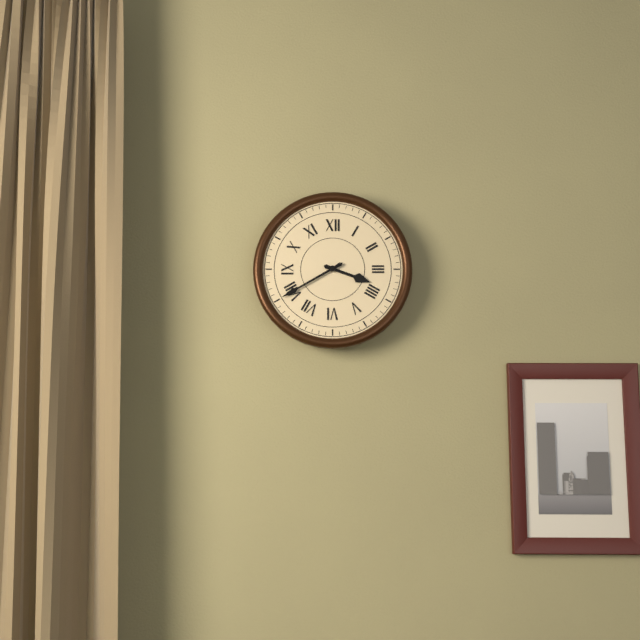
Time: **3:40**
